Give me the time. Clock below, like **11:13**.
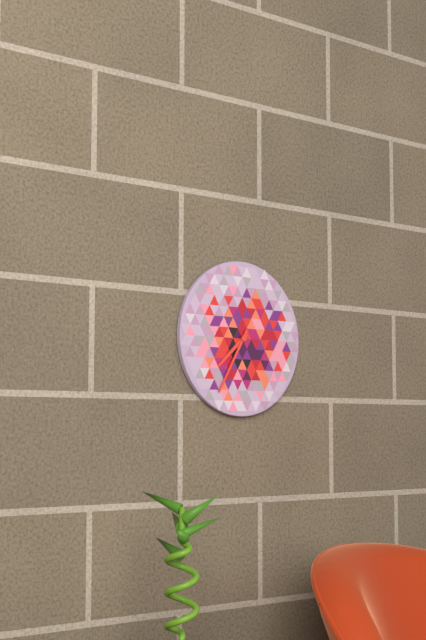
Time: **7:35**
